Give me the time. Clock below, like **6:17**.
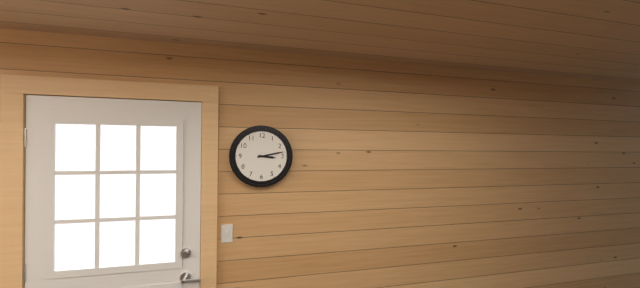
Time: **3:13**
